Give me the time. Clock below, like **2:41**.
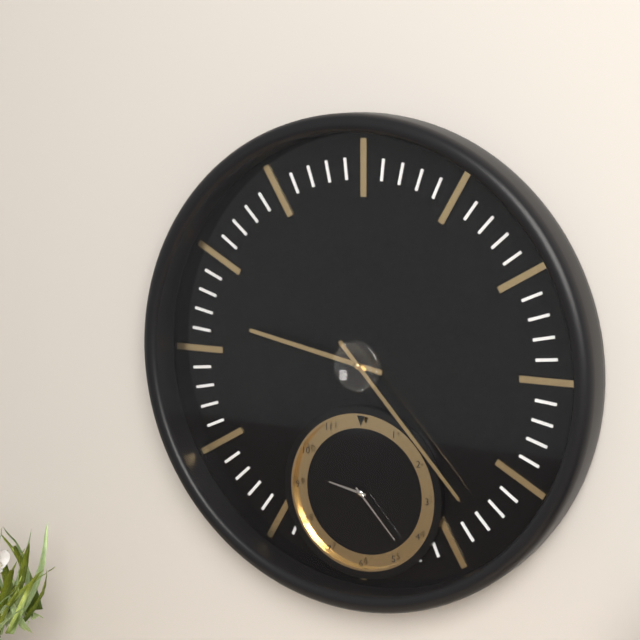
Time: **9:23**
